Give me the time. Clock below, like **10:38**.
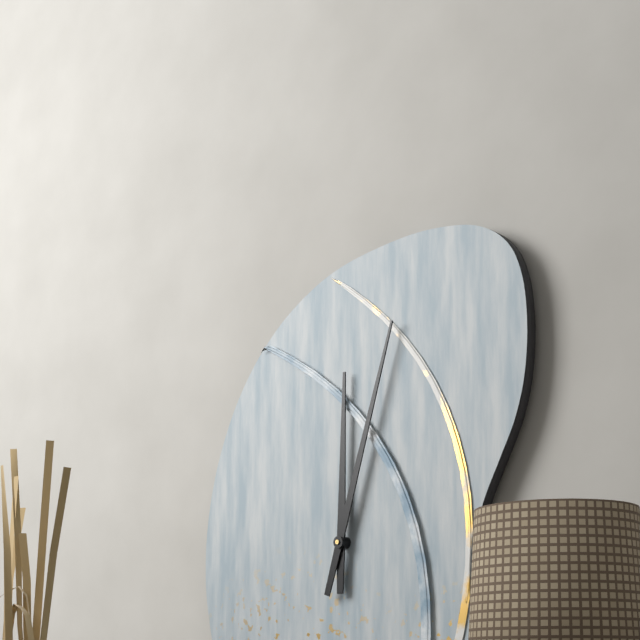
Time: **12:03**
